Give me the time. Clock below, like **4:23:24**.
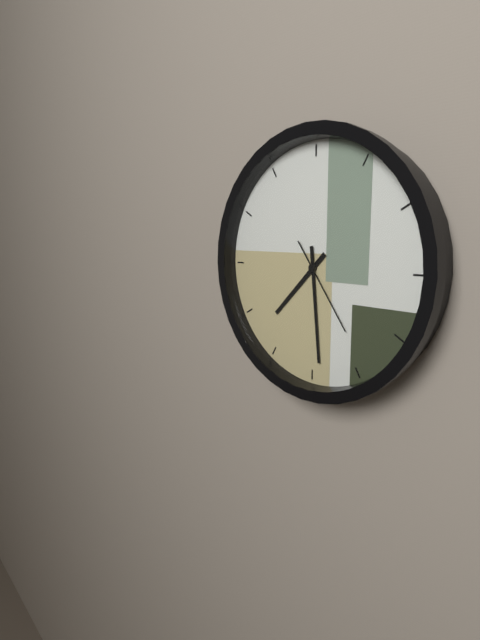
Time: **7:29:24**
